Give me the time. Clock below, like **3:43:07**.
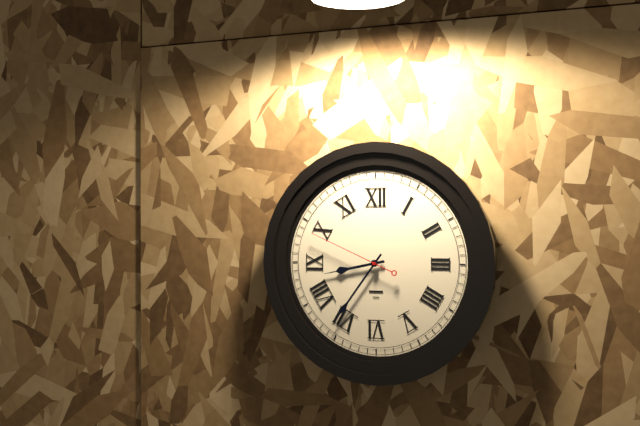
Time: **8:36:49**
